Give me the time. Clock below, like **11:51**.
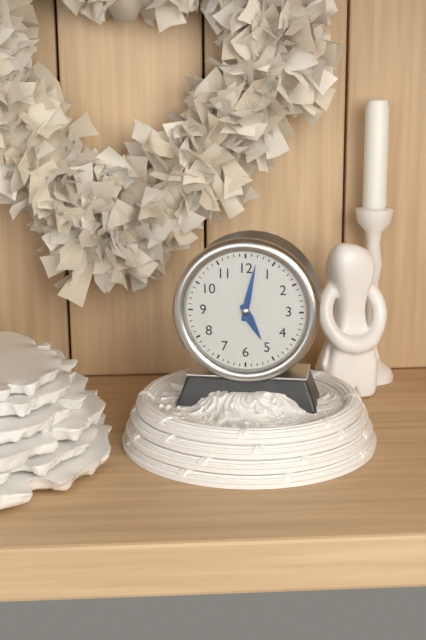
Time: **5:02**
